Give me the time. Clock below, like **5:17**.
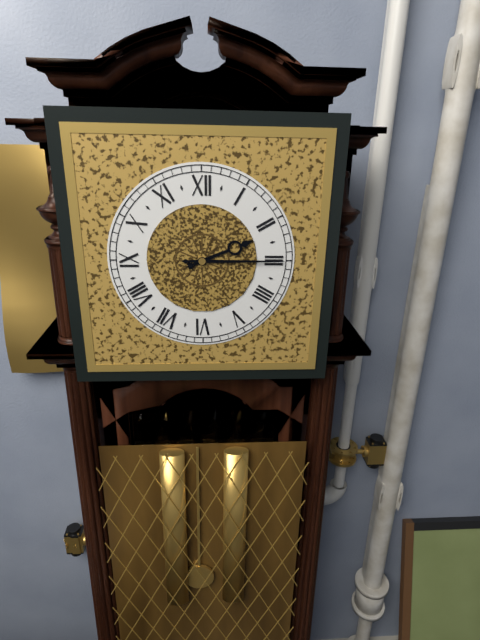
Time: **2:15**
